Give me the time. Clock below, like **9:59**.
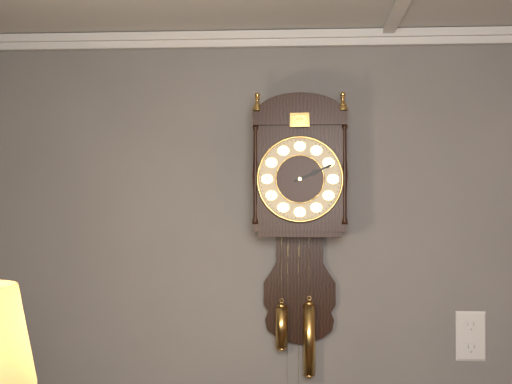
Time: **2:11**
